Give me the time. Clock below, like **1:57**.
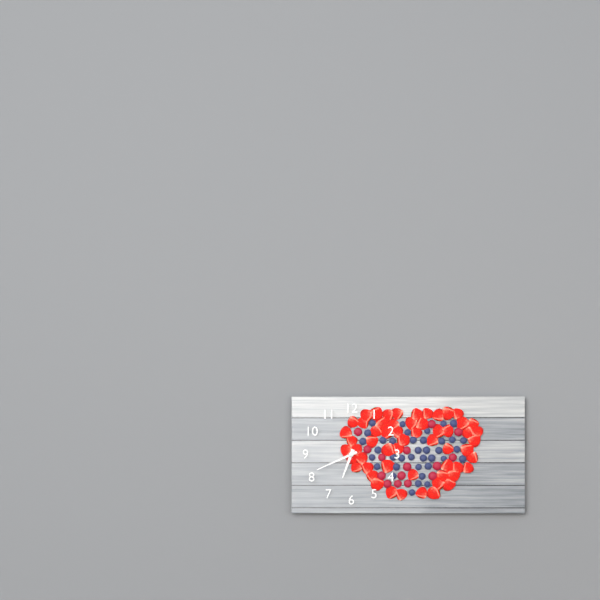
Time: **6:41**
